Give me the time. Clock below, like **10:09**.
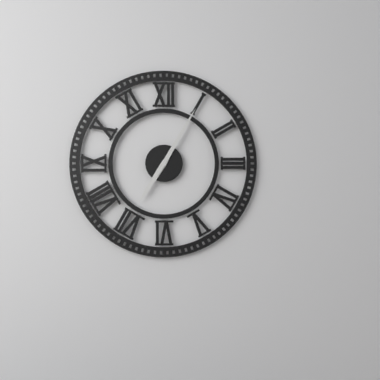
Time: **7:05**
